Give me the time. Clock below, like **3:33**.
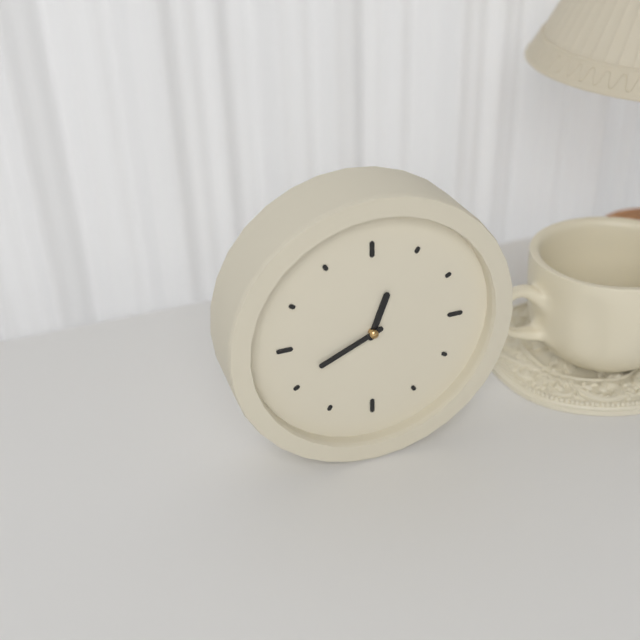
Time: **12:41**
